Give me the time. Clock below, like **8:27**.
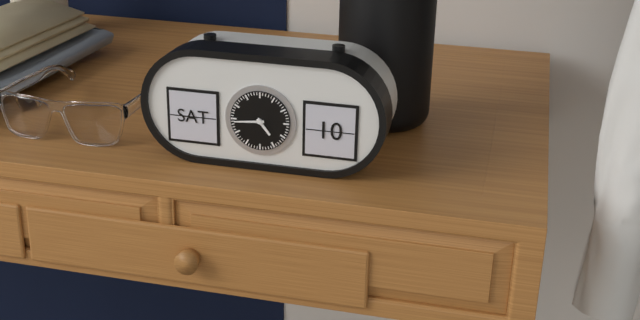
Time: **4:44**
